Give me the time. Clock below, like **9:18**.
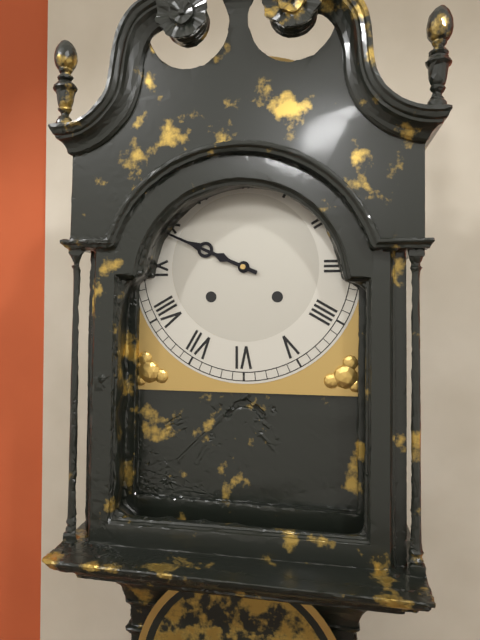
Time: **9:49**
